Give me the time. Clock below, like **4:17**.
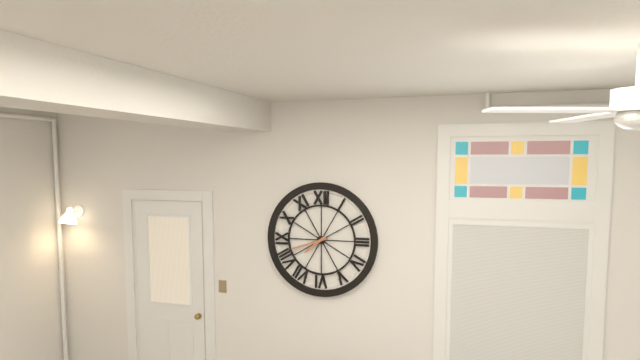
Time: **7:42**
